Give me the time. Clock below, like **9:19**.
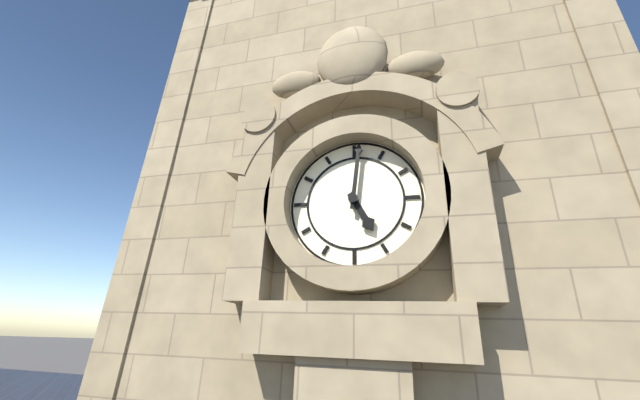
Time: **5:01**
